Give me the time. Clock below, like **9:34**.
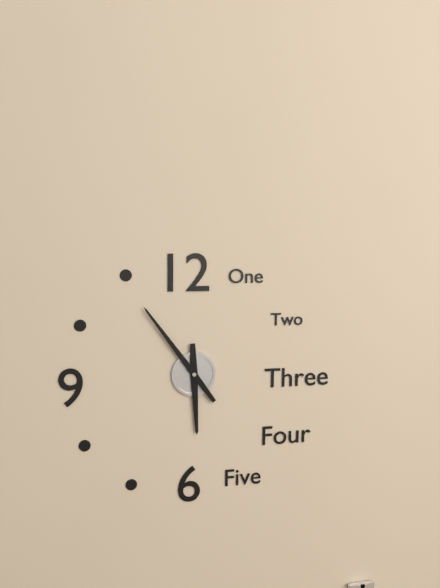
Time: **5:54**
